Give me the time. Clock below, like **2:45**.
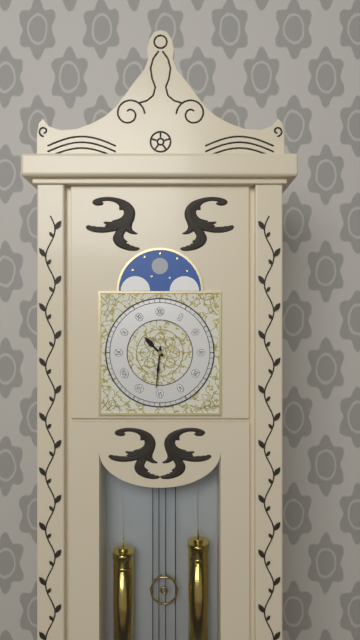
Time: **10:31**
